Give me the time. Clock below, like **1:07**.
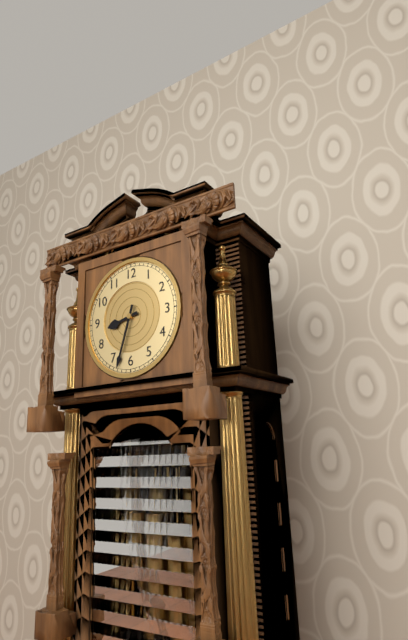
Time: **8:33**
